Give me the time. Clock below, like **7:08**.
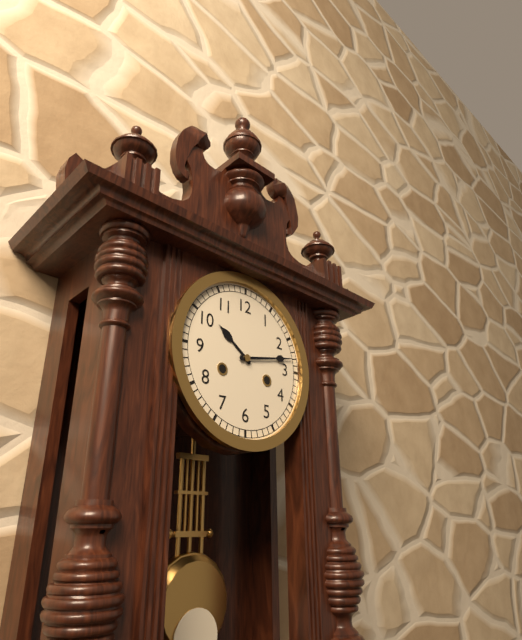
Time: **10:13**
